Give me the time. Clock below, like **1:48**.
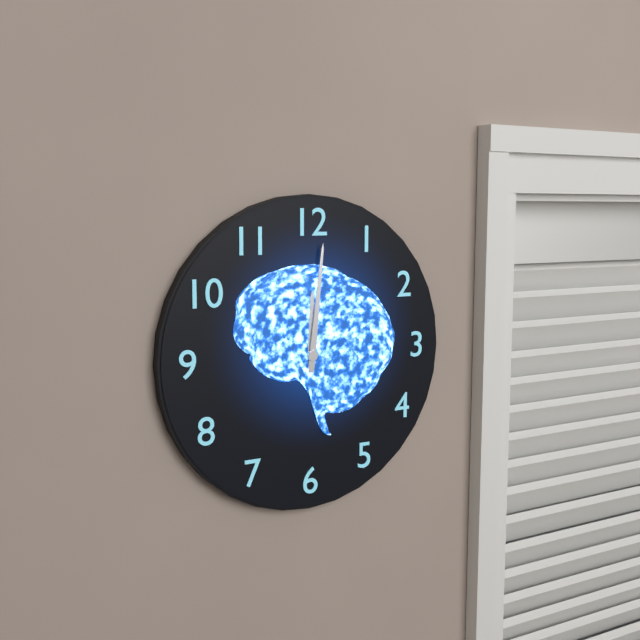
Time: **12:01**
